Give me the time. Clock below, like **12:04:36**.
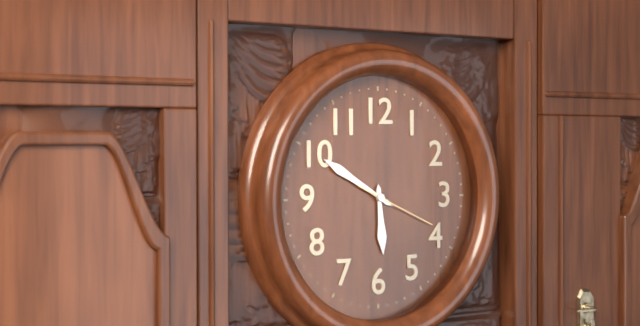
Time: **5:50:19**
